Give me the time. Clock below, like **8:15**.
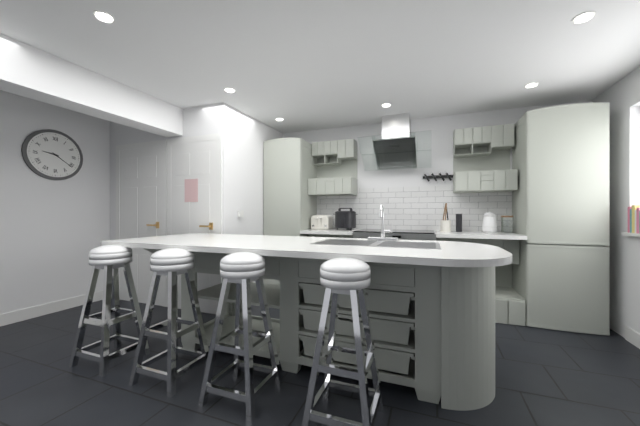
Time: **9:21**
